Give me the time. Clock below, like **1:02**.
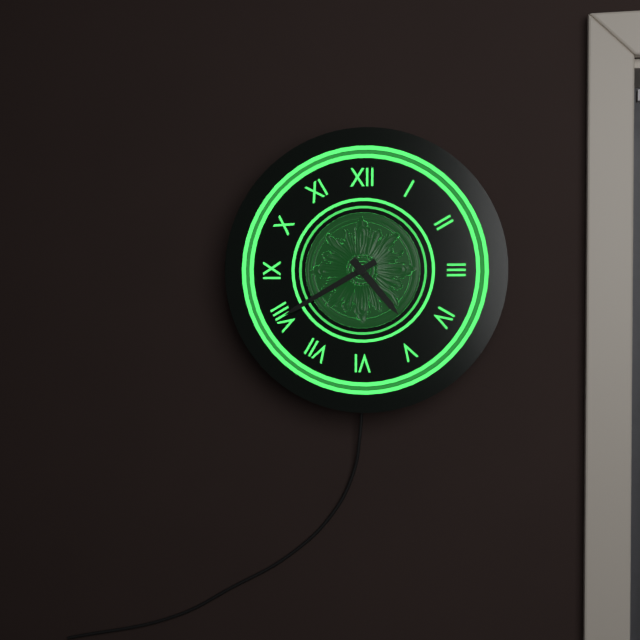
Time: **4:40**
